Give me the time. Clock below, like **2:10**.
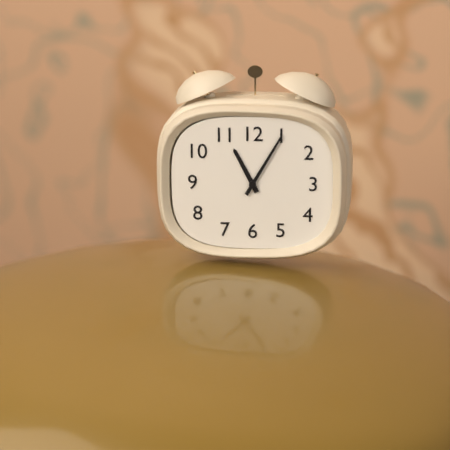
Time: **11:05**
